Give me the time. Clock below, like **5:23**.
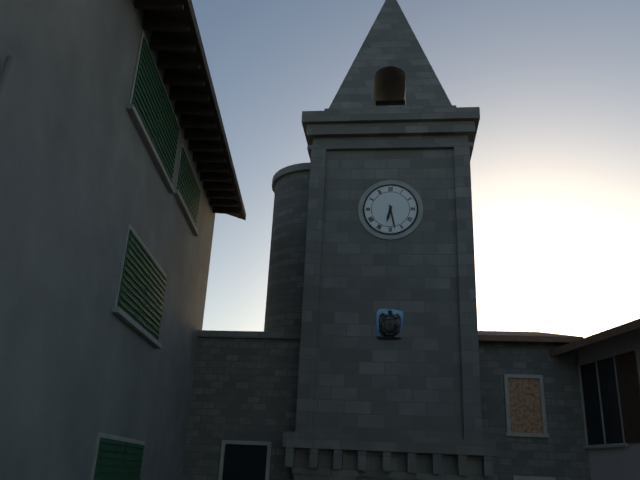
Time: **6:28**
